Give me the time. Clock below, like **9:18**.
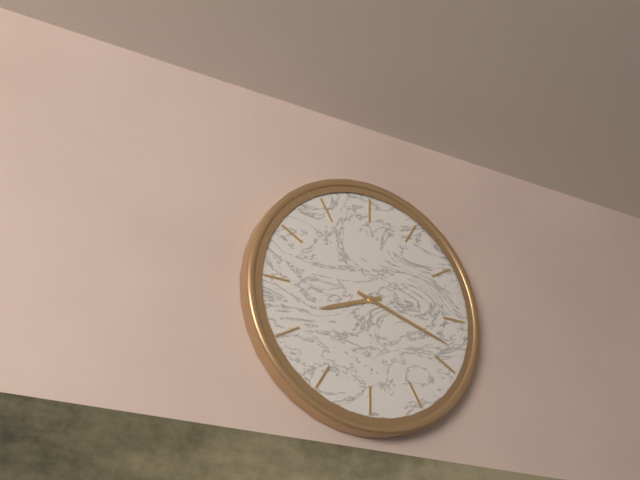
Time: **8:18**
